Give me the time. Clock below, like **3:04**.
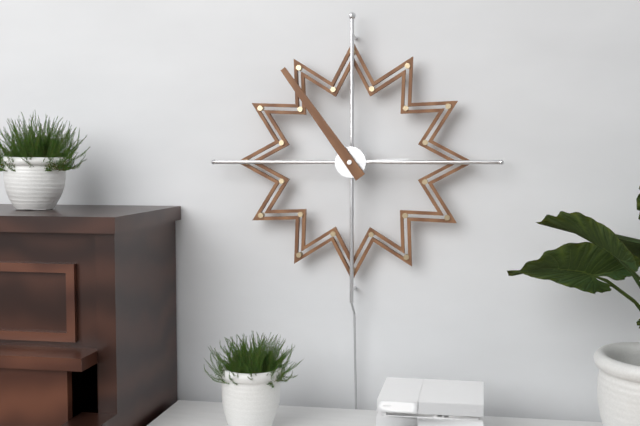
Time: **2:54**
